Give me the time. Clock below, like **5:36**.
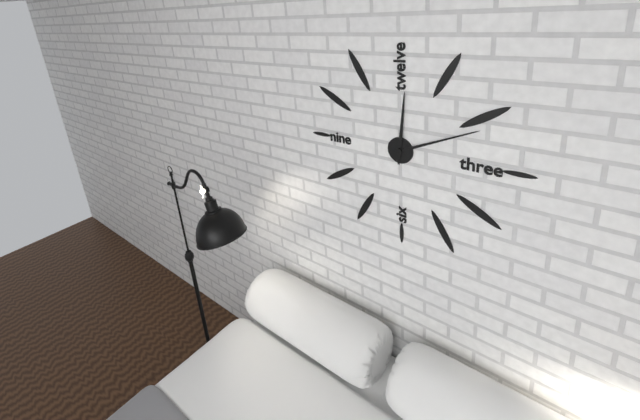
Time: **12:11**
